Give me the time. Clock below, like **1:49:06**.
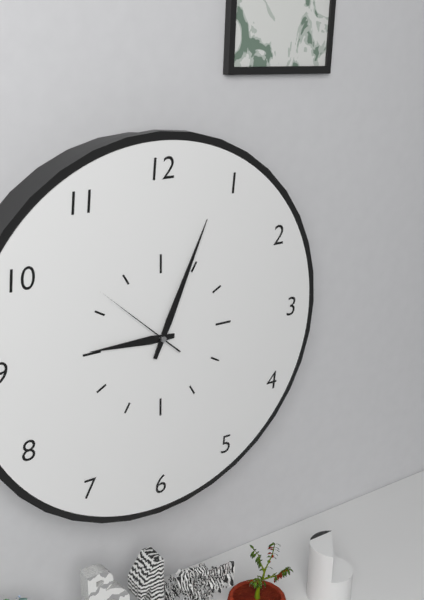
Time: **9:04:52**
